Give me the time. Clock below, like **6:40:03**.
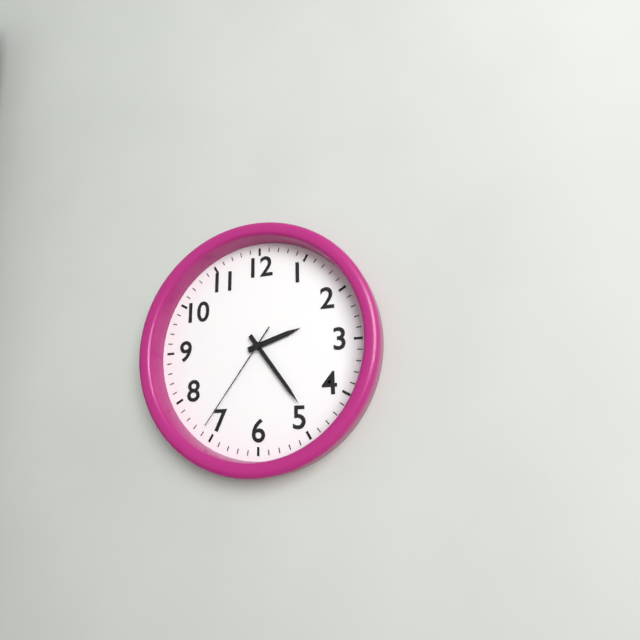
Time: **2:24:36**
